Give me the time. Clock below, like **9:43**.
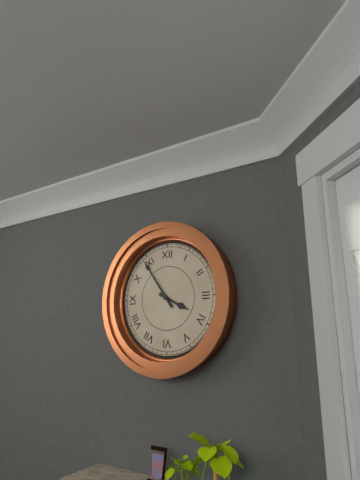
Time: **3:54**
